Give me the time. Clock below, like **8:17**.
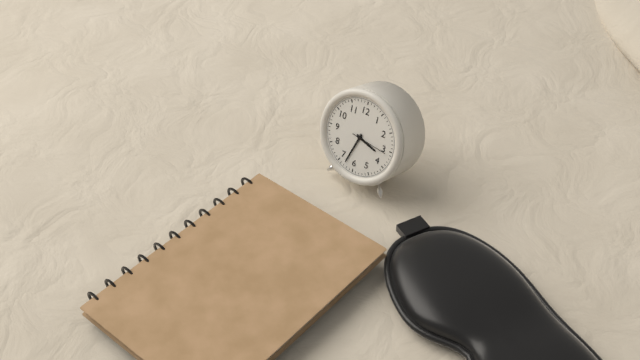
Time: **3:33**
